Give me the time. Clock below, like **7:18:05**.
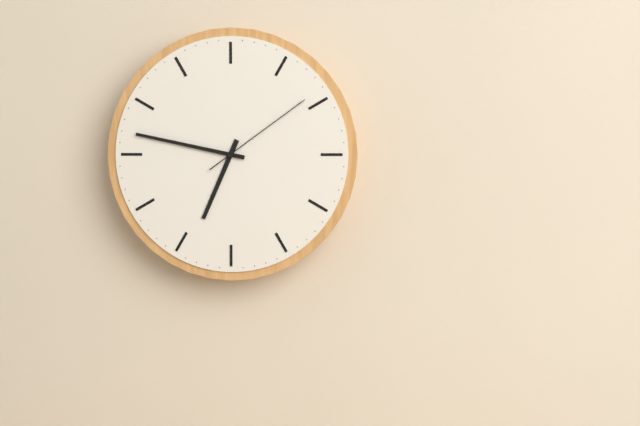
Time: **6:47:09**
